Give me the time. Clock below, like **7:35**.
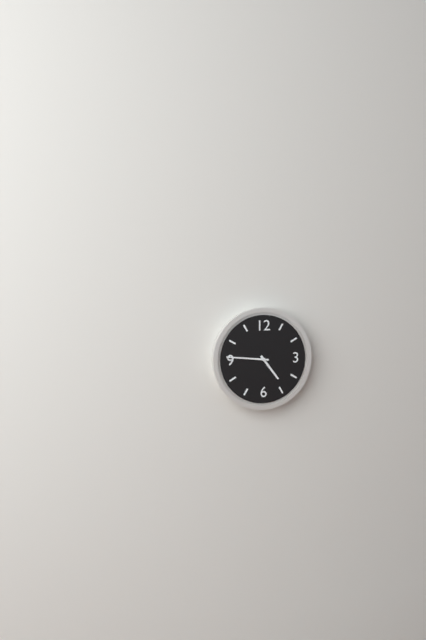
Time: **4:46**
